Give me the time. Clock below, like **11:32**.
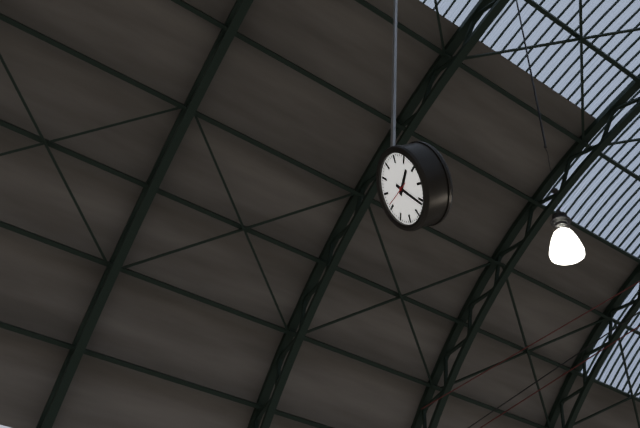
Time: **2:26**
